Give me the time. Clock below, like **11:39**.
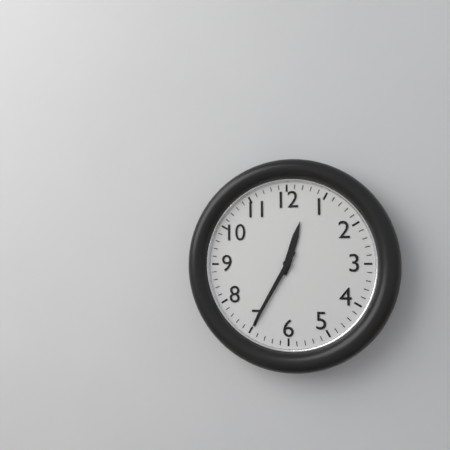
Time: **12:35**
